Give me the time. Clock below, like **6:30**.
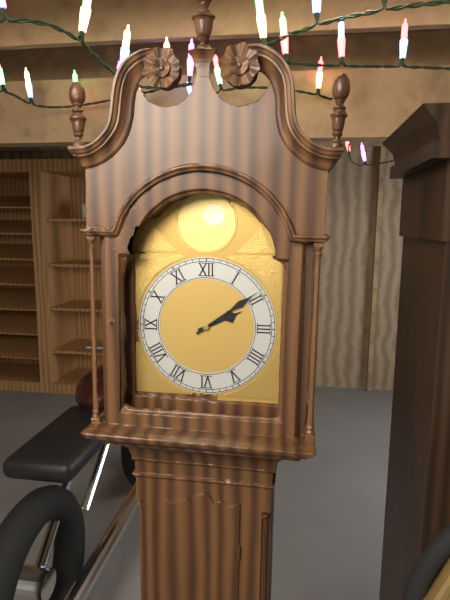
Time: **2:09**
